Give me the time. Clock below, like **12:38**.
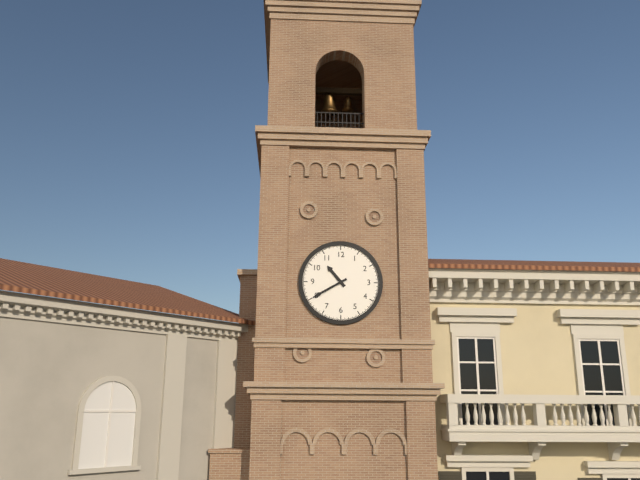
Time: **10:40**
